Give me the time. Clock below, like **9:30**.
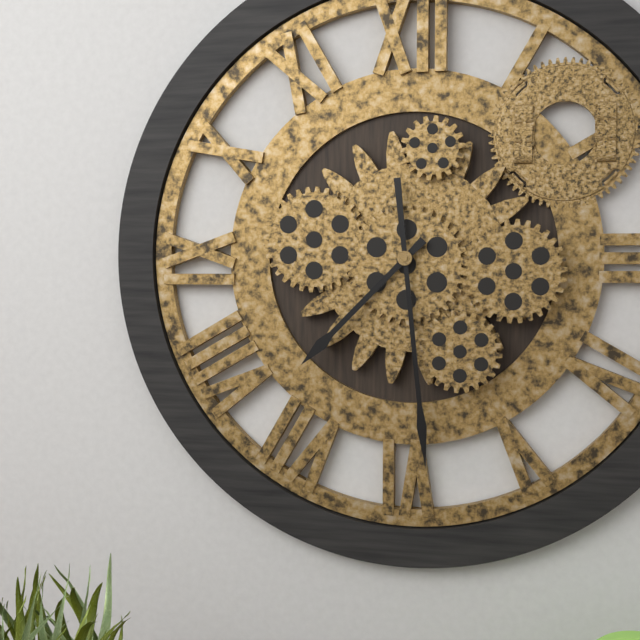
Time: **7:29**
